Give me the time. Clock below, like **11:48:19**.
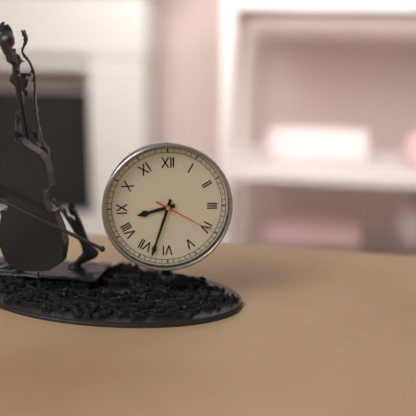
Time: **8:33:20**
